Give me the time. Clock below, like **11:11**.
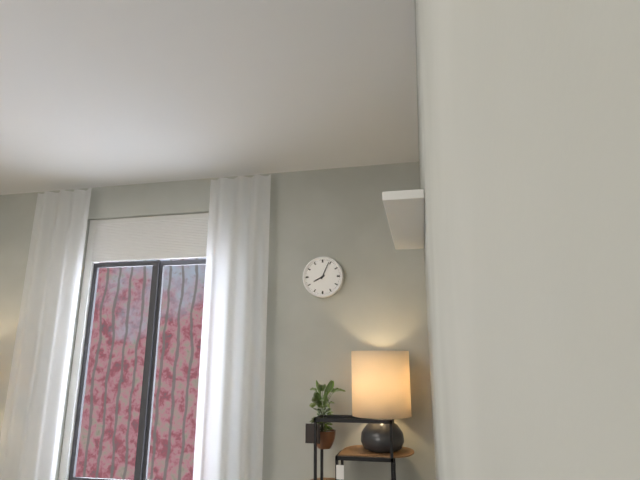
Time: **8:04**
